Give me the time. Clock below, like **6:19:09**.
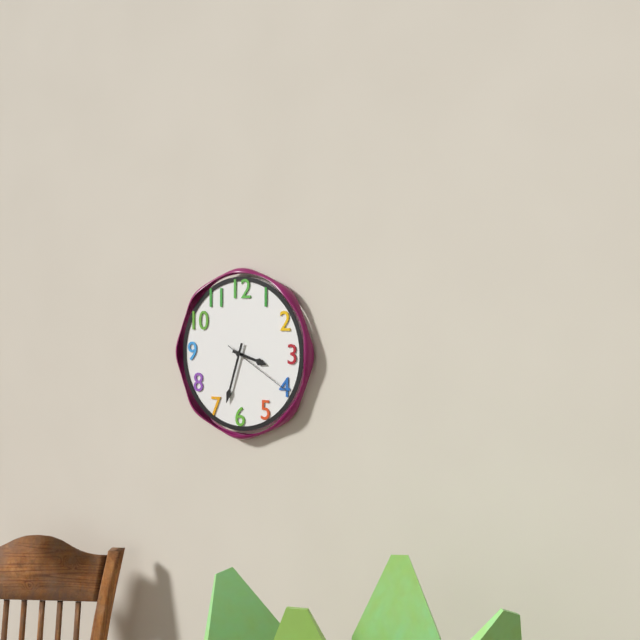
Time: **3:33:20**
